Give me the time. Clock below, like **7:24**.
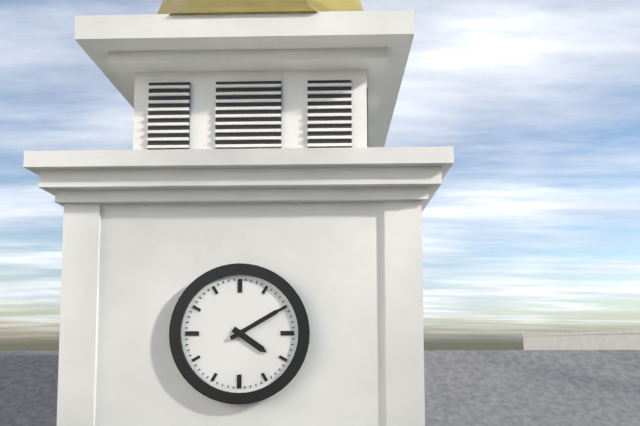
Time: **4:10**
